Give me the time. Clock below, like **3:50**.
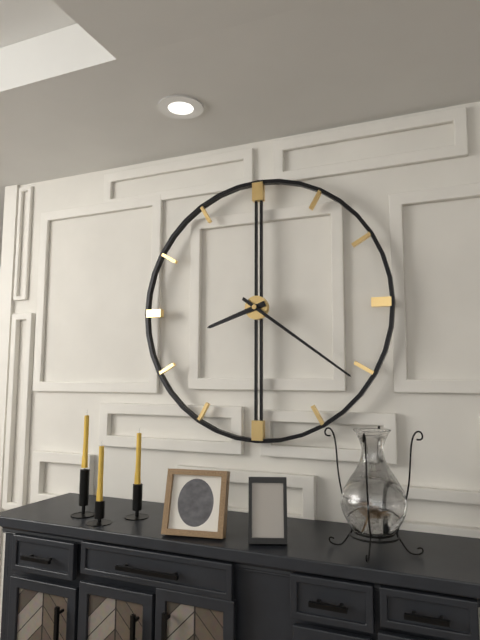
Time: **8:21**
